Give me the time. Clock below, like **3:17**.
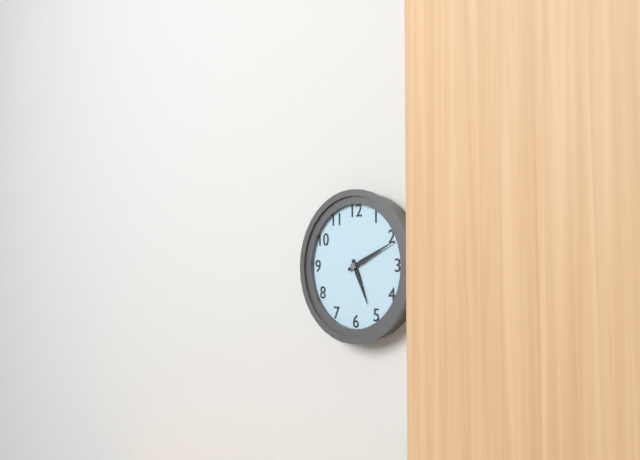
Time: **5:11**
